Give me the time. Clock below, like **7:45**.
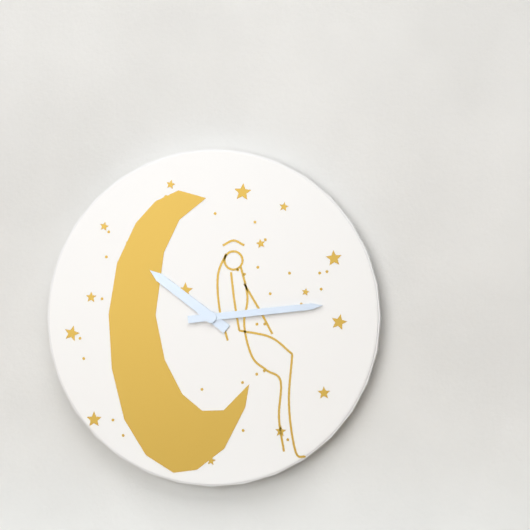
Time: **10:14**
